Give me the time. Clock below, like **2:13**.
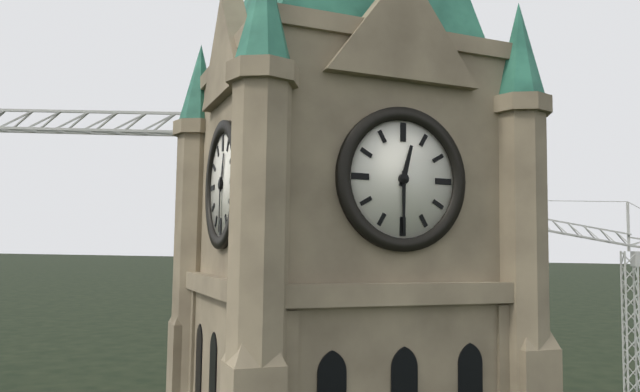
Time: **12:30**
